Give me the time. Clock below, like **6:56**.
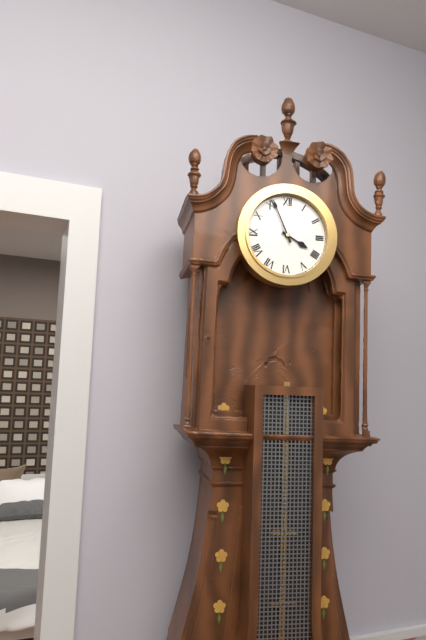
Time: **3:56**
